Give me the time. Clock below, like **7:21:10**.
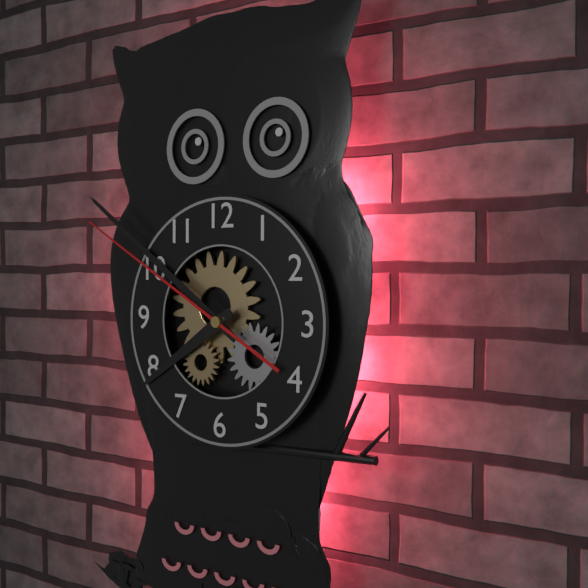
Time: **7:51:50**
